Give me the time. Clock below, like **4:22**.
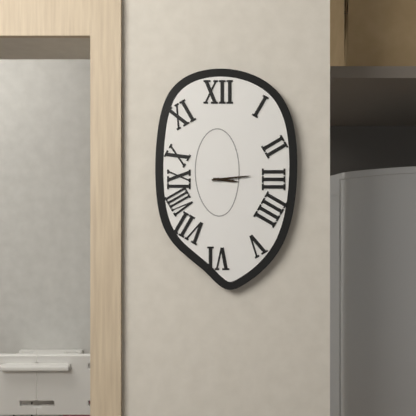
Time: **3:14**
